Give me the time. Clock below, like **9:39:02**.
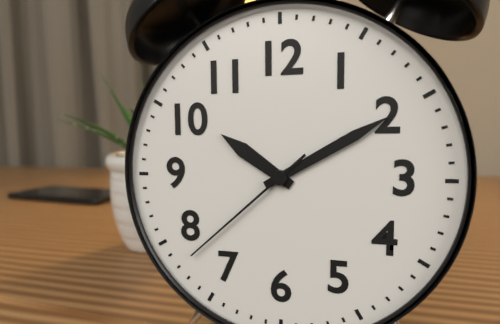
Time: **10:10:38**
